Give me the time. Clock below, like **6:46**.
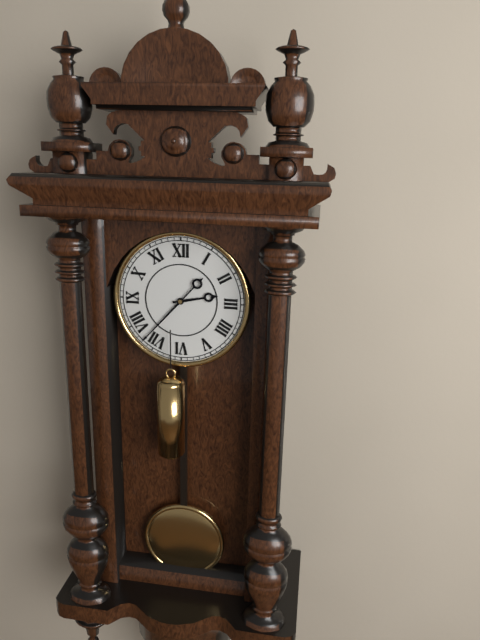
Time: **2:37**
